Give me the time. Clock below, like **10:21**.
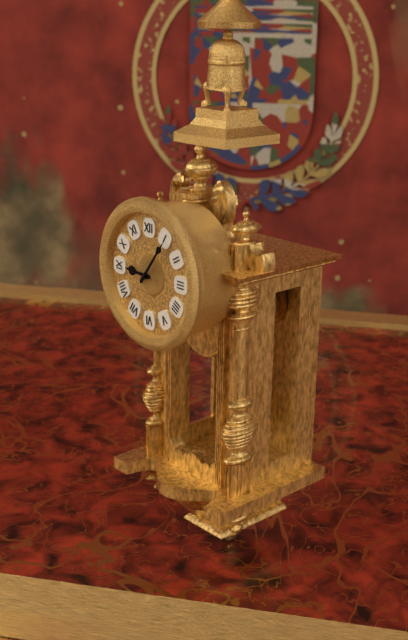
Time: **9:06**
